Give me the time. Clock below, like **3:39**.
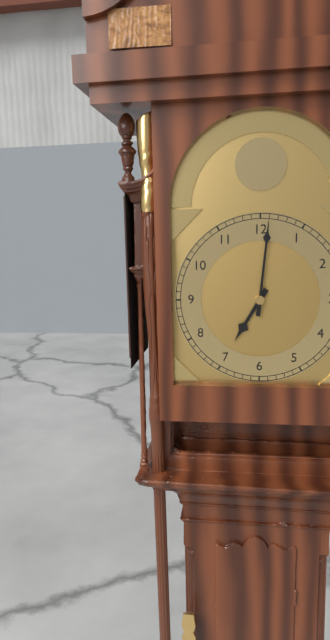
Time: **7:01**
